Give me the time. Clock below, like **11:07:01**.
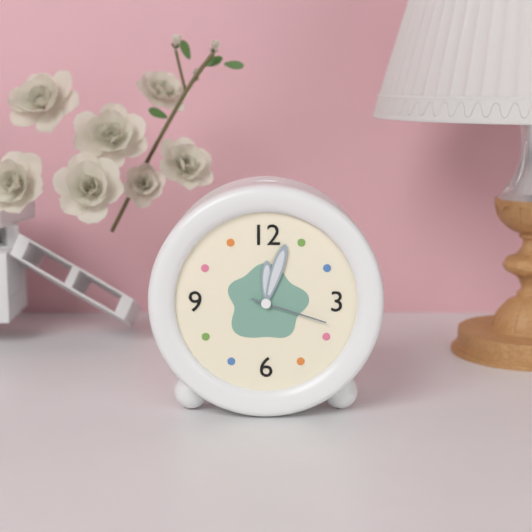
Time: **12:03:18**
